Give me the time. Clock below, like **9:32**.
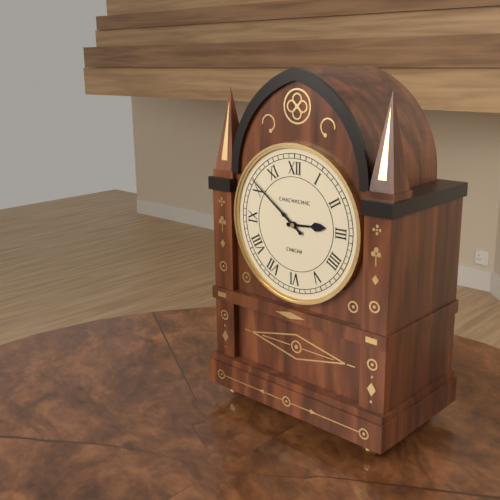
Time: **2:51**
